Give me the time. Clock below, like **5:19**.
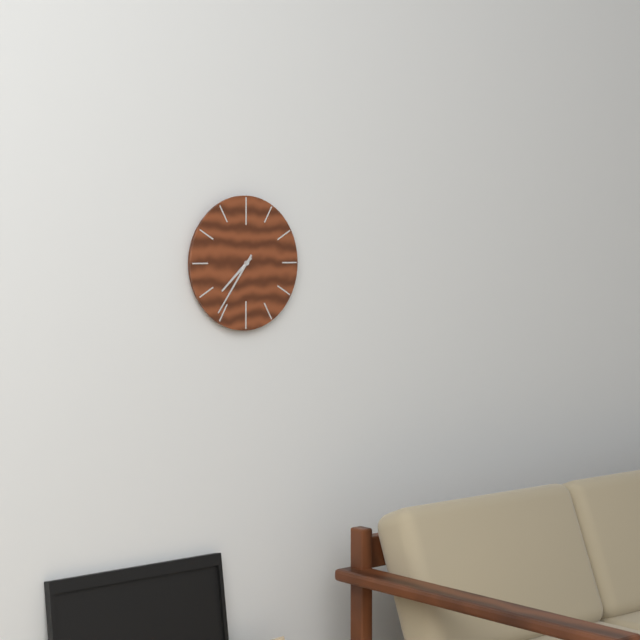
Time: **7:36**
